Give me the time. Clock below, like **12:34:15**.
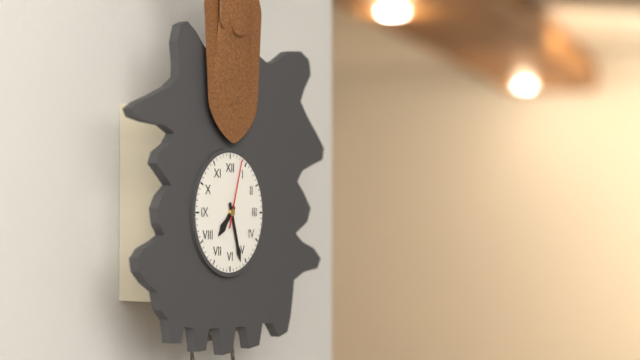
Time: **7:27:03**
